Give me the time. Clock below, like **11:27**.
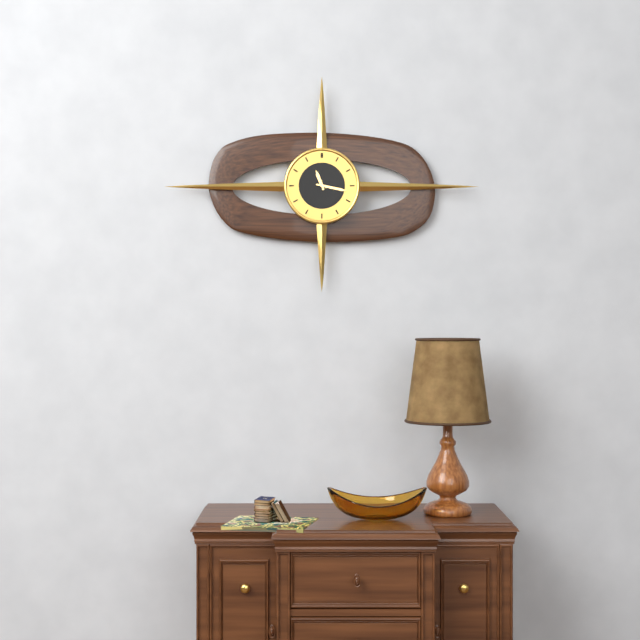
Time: **11:17**
